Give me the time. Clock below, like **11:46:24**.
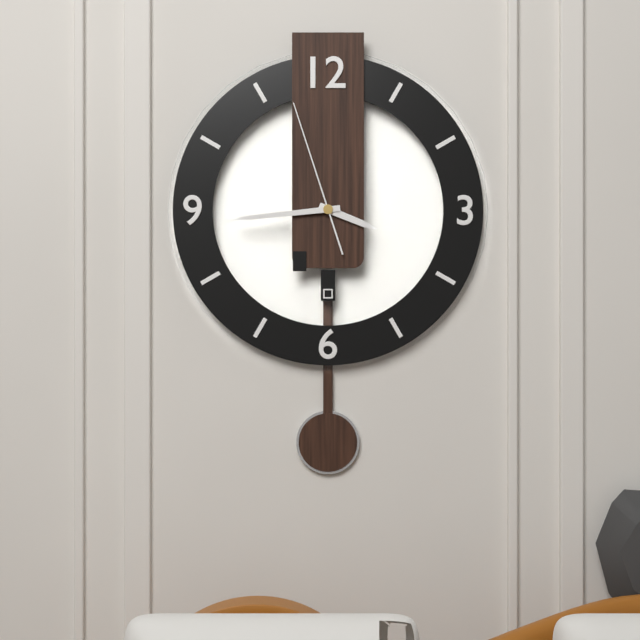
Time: **3:44:57**
